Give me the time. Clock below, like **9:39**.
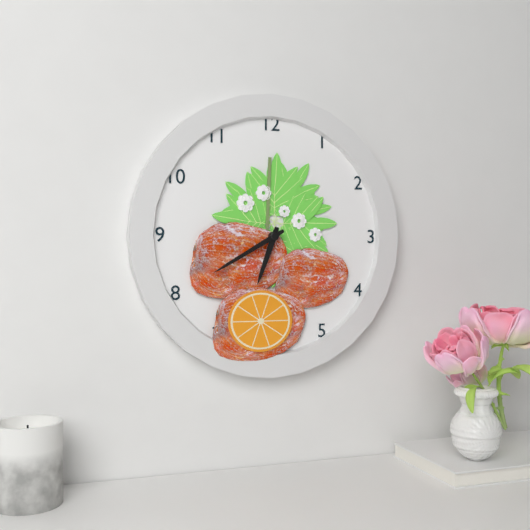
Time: **6:40**
